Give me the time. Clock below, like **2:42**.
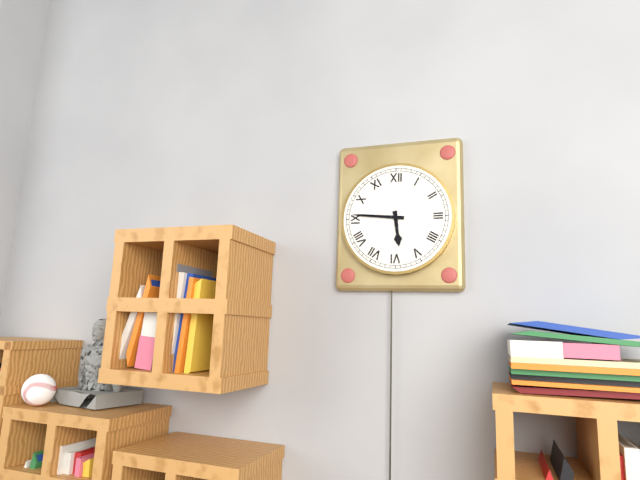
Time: **5:46**
